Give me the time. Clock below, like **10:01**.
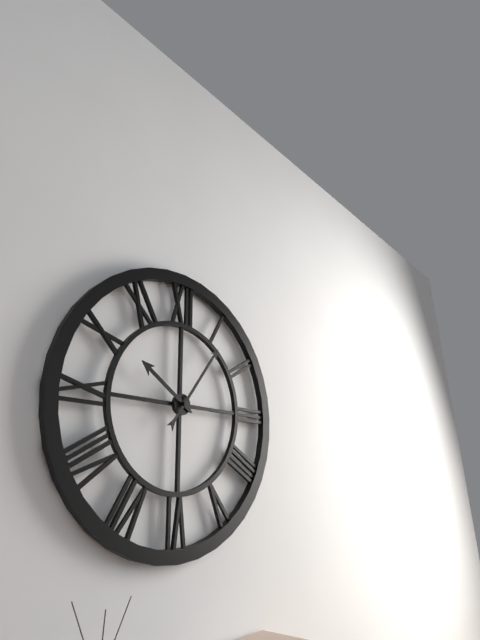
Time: **10:06**
